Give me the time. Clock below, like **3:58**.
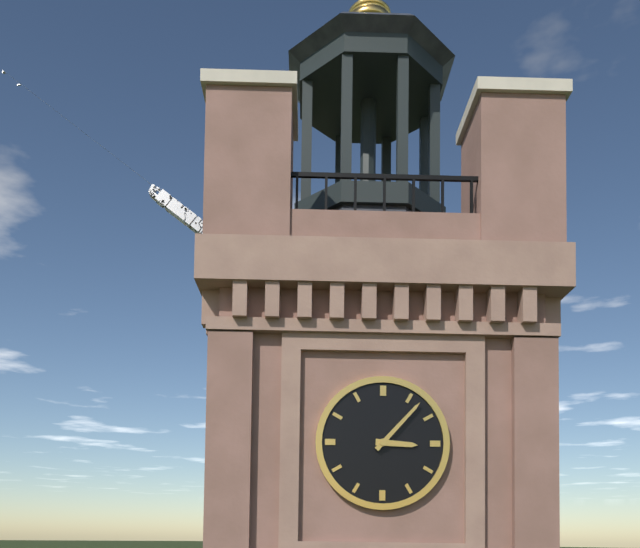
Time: **3:07**
